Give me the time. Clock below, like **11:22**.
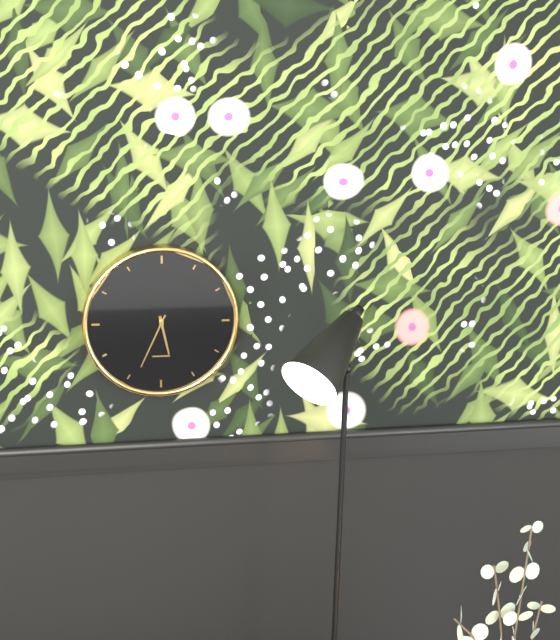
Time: **5:34**
